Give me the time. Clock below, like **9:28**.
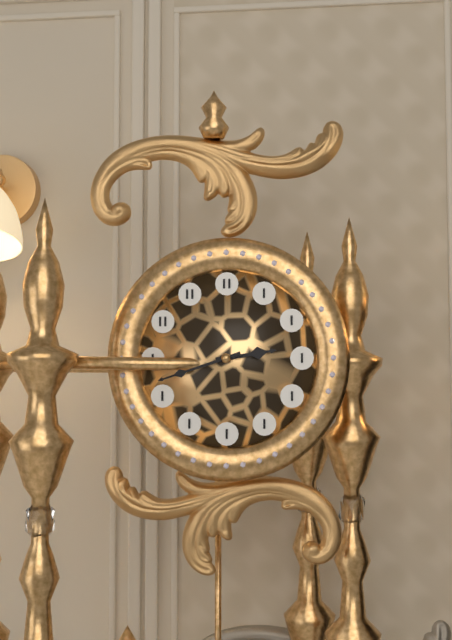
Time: **2:42**
